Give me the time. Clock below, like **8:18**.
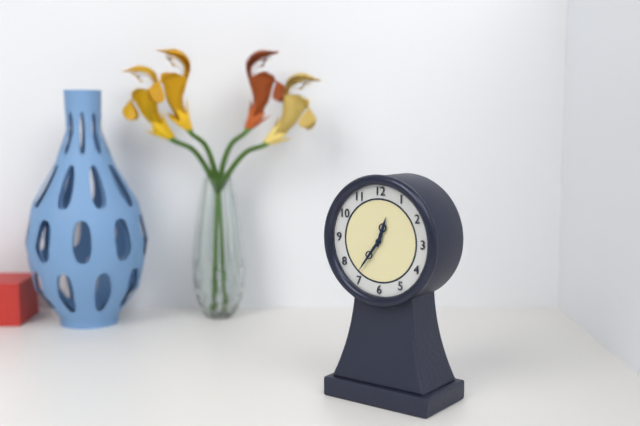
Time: **12:36**
